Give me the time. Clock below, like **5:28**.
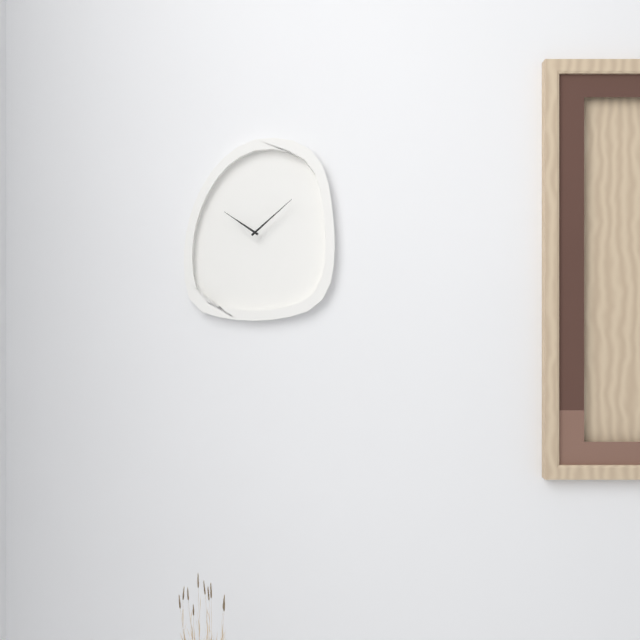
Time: **10:08**
